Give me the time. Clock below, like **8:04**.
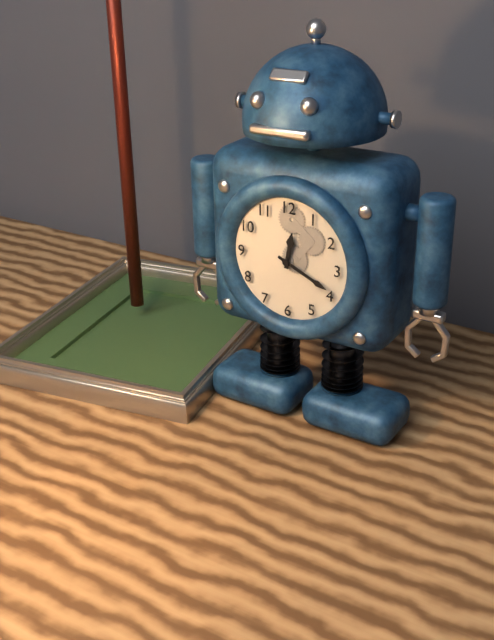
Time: **12:19**
